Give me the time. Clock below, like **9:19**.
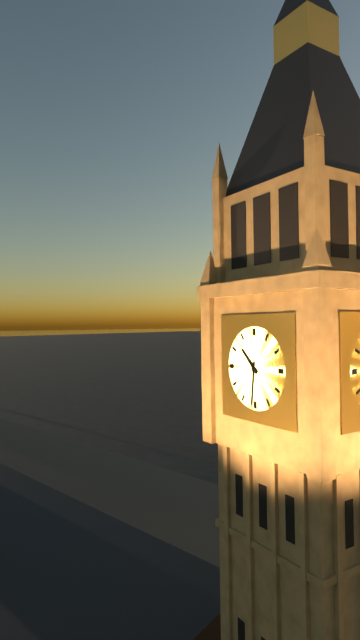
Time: **10:31**
